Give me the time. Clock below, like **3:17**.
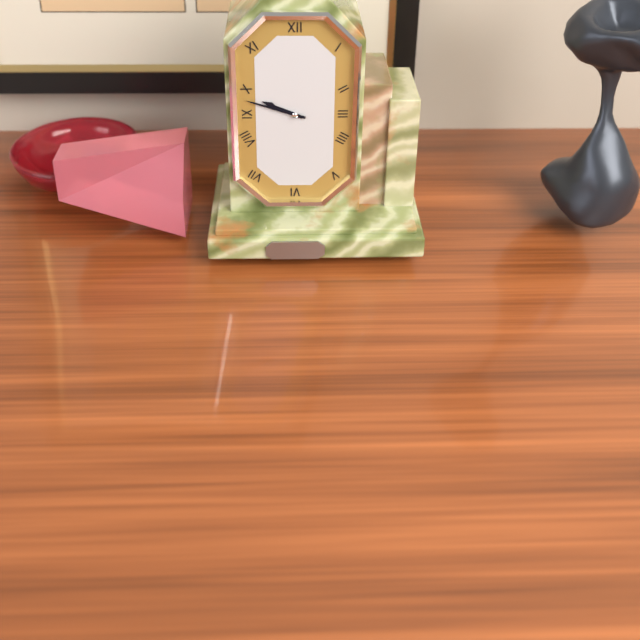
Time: **9:48**
